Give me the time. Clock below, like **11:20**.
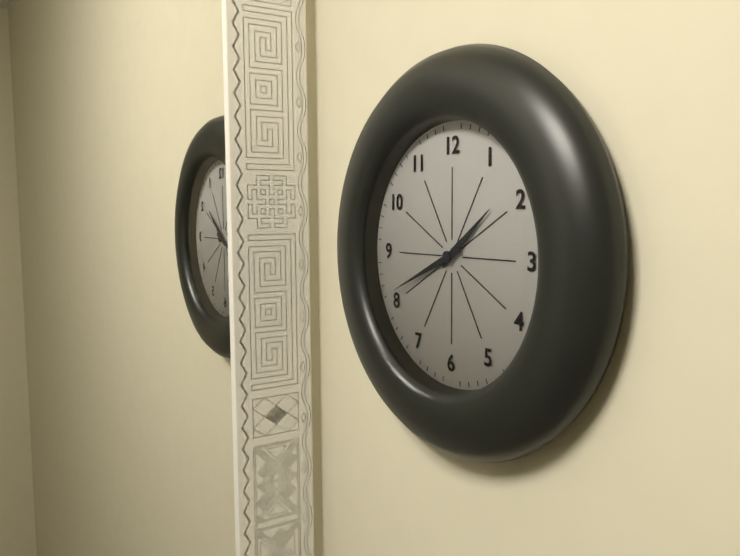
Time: **1:41**
